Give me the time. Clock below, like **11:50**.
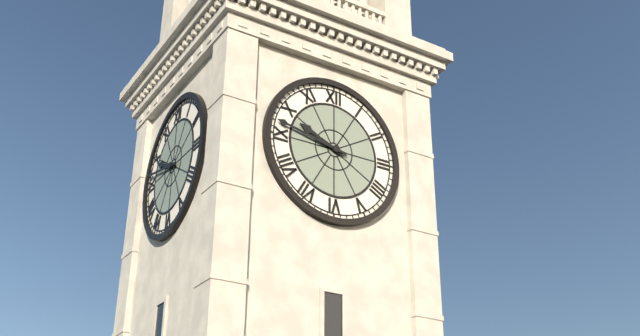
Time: **9:47**
